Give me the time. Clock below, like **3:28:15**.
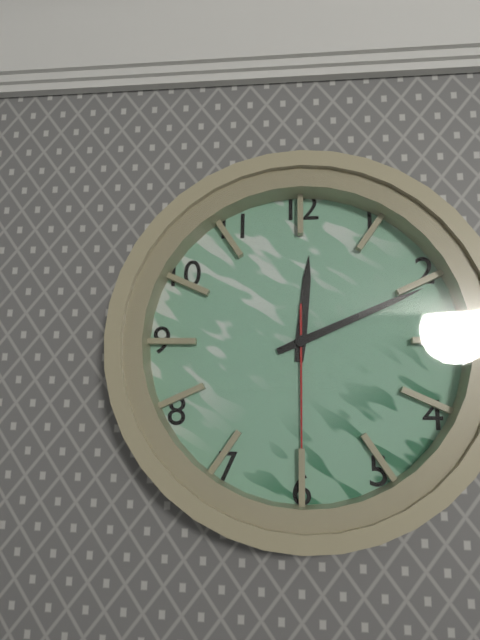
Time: **12:11:30**
